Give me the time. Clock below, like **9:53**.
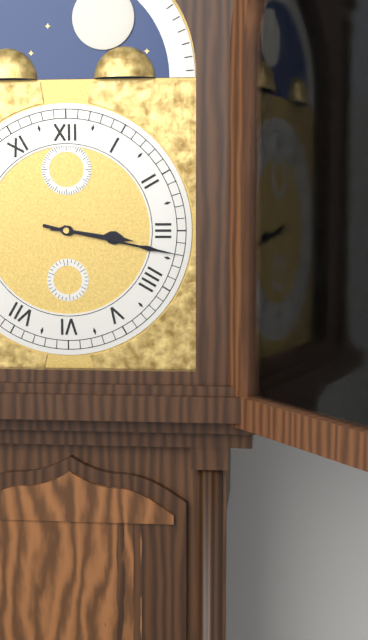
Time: **3:17**
